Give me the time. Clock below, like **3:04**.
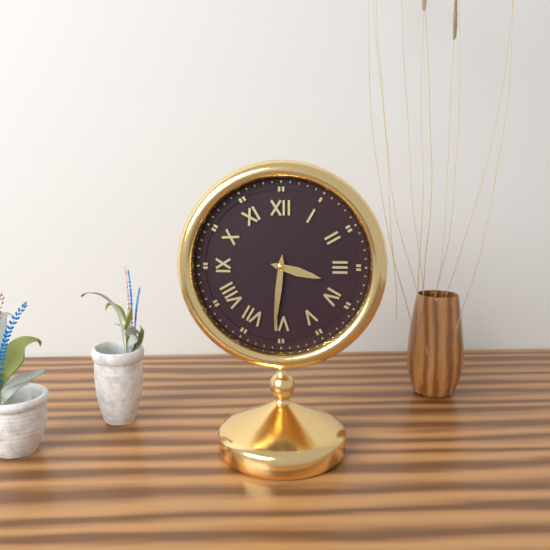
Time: **3:31**
